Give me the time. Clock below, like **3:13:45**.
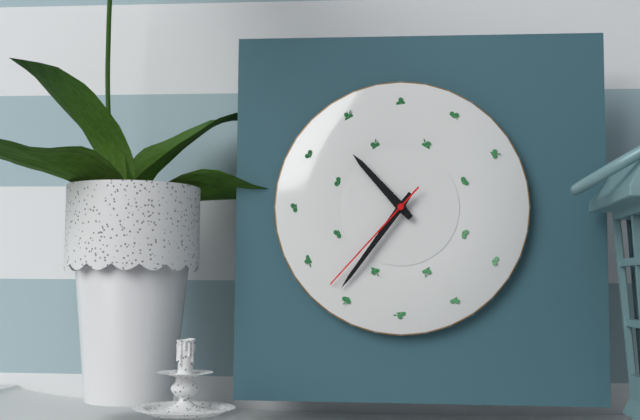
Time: **10:36:37**
